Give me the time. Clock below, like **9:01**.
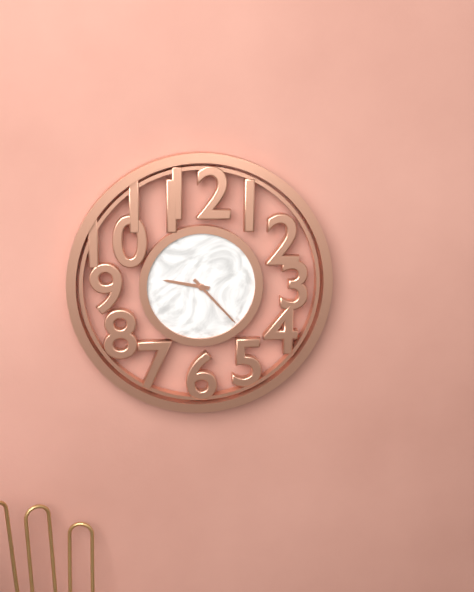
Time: **9:23**
